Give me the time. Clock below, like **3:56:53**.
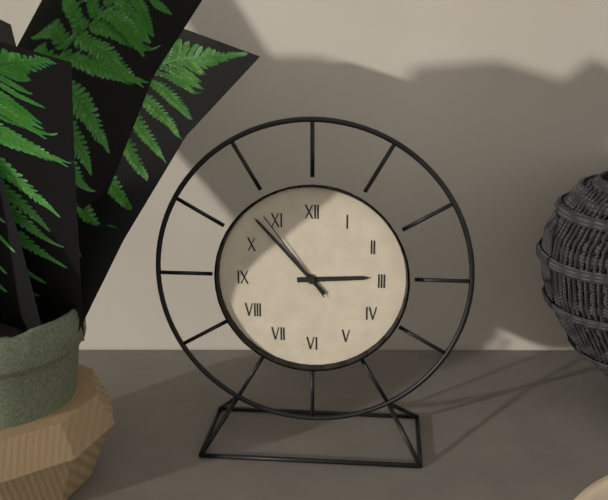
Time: **2:53:54**
